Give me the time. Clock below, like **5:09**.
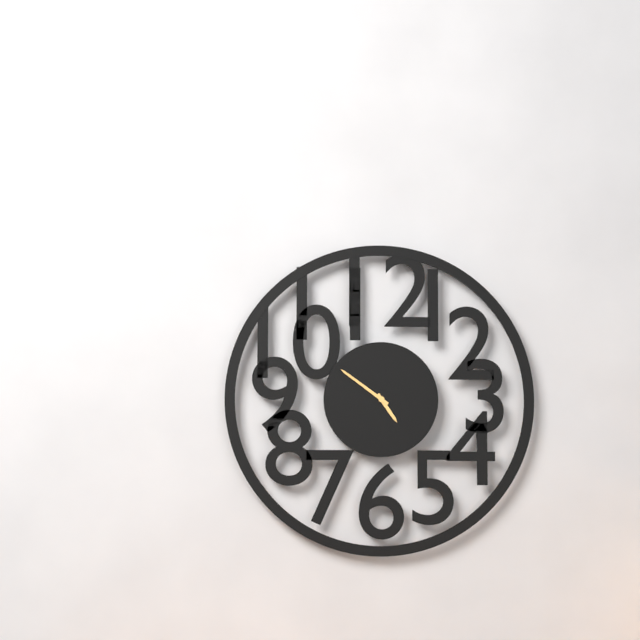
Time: **4:51**
